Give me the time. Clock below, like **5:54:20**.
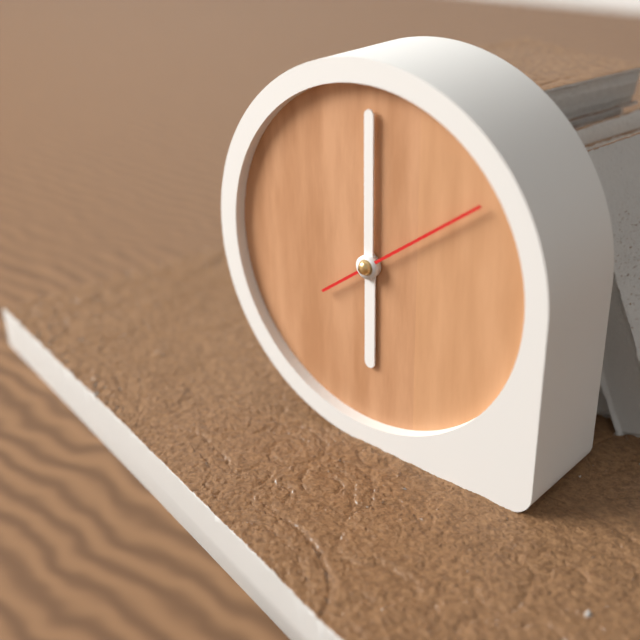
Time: **6:00:09**
